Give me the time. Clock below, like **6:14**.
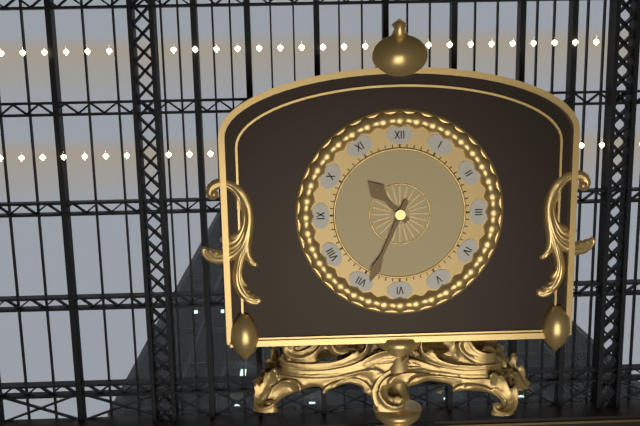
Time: **10:34**
